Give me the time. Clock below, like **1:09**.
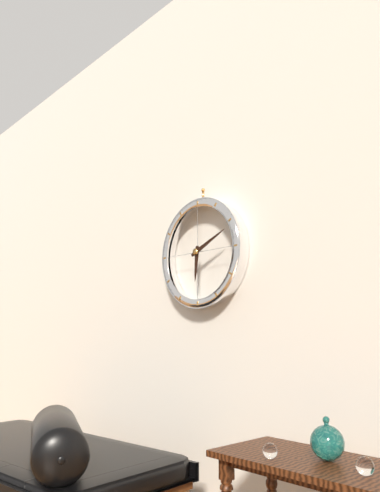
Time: **6:11**
